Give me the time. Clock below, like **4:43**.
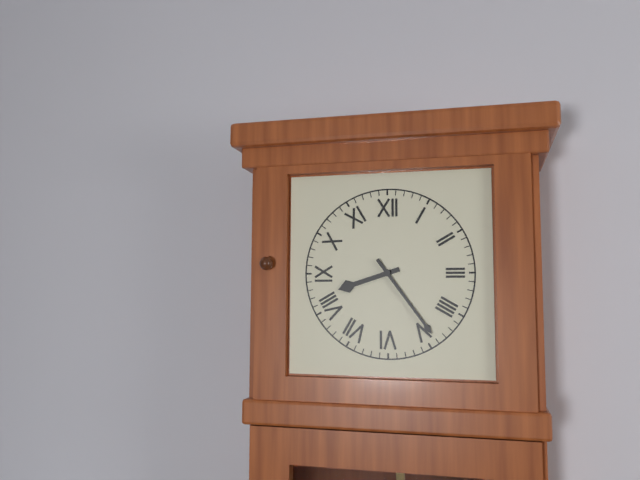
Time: **8:24**
